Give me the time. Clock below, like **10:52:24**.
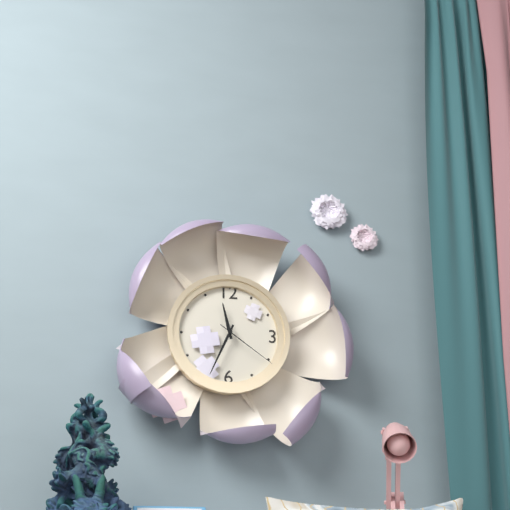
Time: **11:34:21**
